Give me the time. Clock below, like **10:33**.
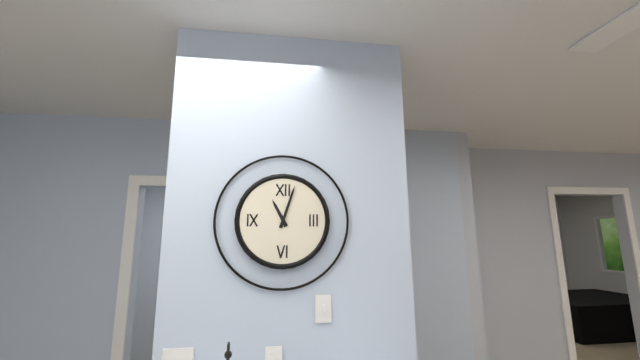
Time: **11:03**
